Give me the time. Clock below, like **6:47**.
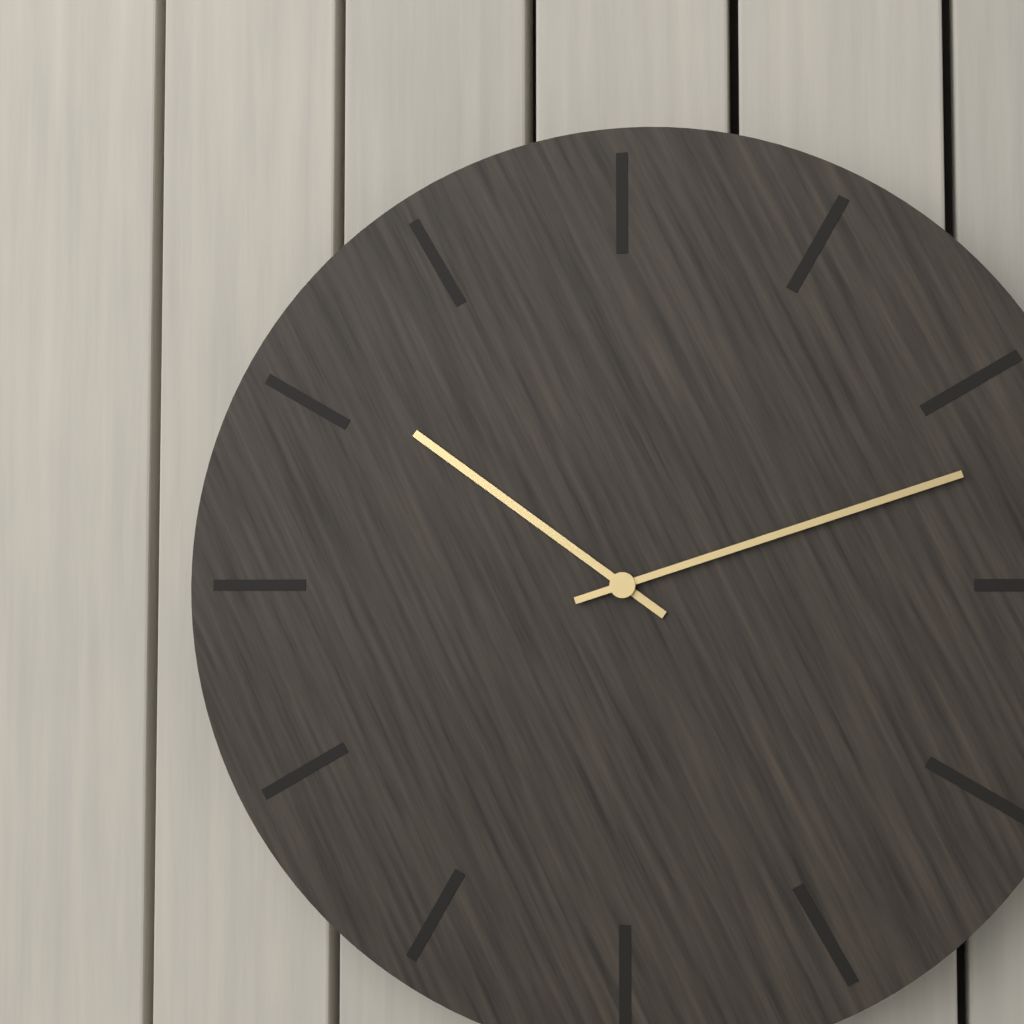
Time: **10:12**
